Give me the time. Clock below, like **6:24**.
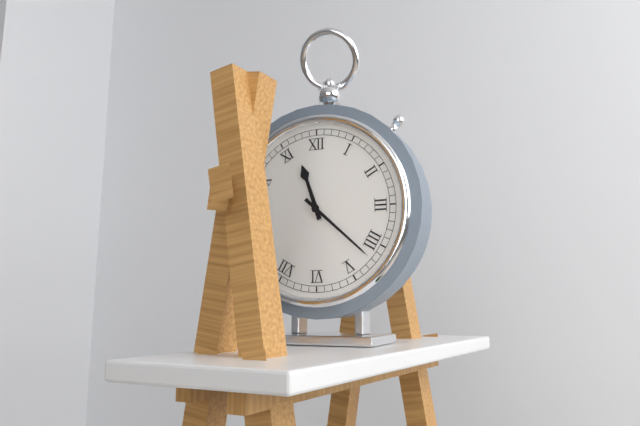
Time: **11:22**
